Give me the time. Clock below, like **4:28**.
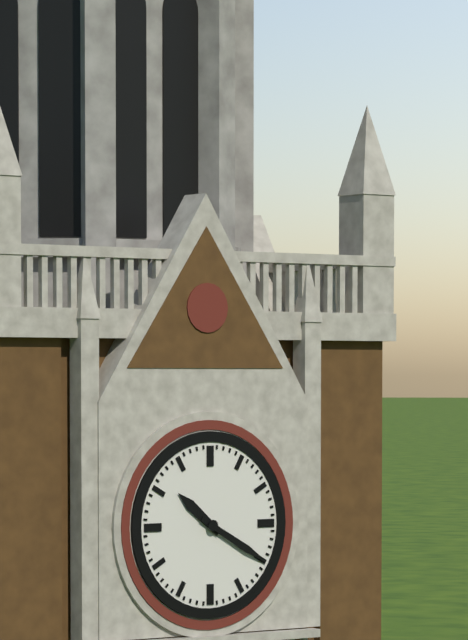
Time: **10:20**
